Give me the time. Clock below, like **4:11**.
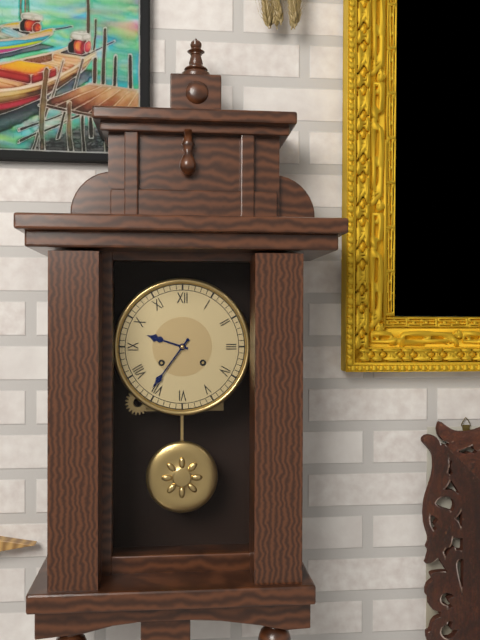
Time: **9:36**
